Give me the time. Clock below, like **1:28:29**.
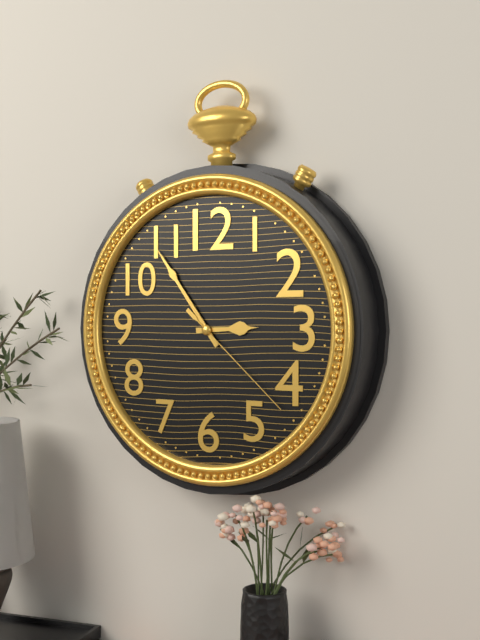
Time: **2:54:22**
